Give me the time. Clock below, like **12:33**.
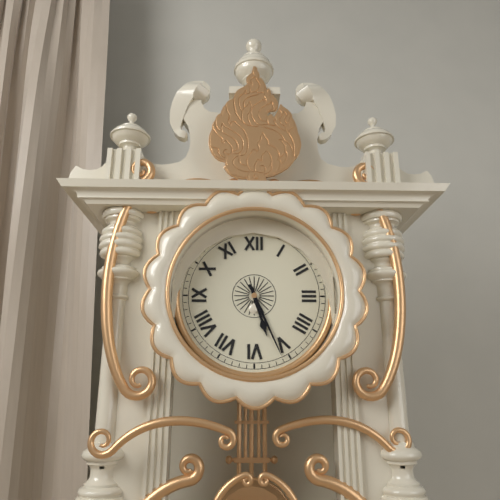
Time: **5:26**
